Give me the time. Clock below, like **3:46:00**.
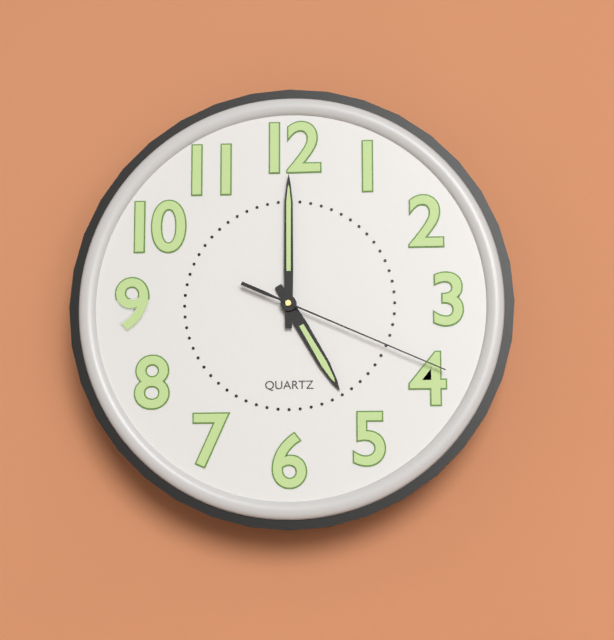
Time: **5:00:19**
